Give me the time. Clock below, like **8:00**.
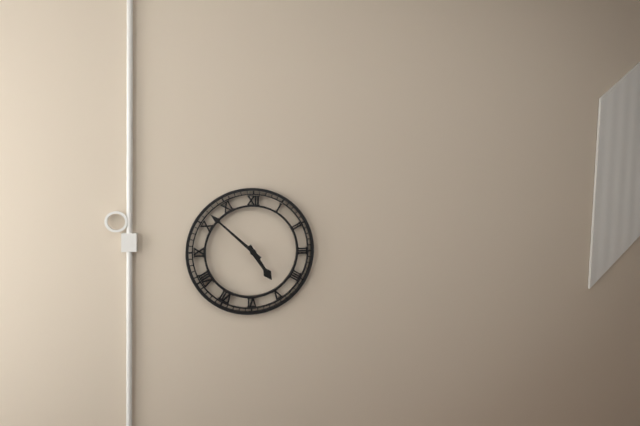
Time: **4:52**
